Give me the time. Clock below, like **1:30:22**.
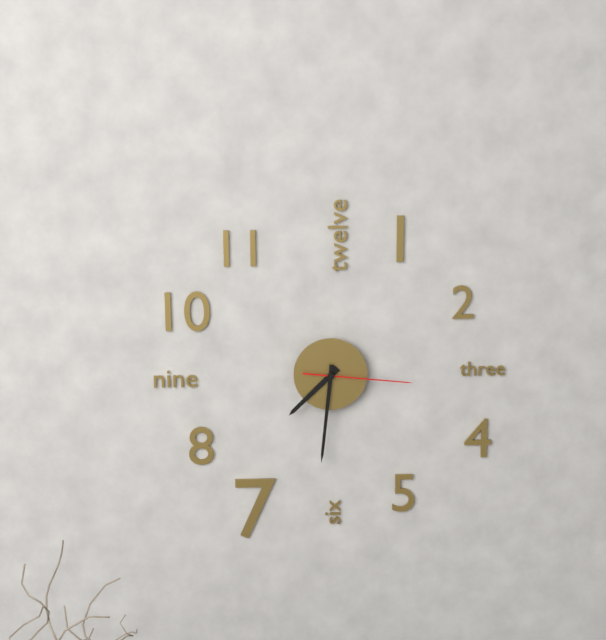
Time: **7:31:16**
